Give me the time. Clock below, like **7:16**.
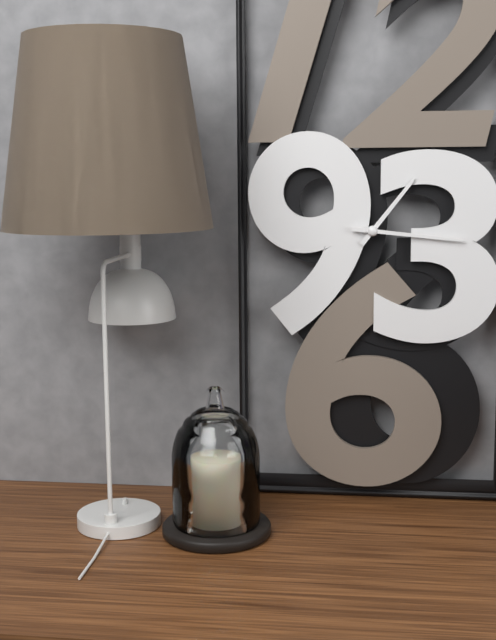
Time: **1:16**
